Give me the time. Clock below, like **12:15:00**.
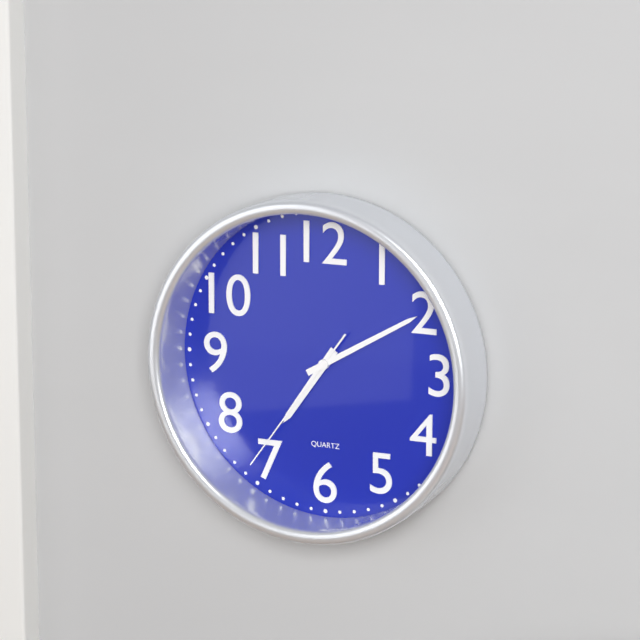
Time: **7:10:36**
